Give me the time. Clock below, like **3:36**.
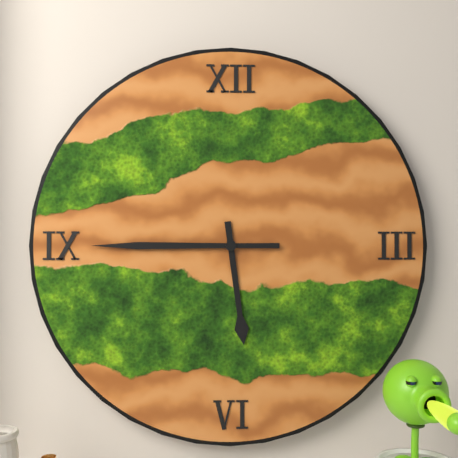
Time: **5:45**
